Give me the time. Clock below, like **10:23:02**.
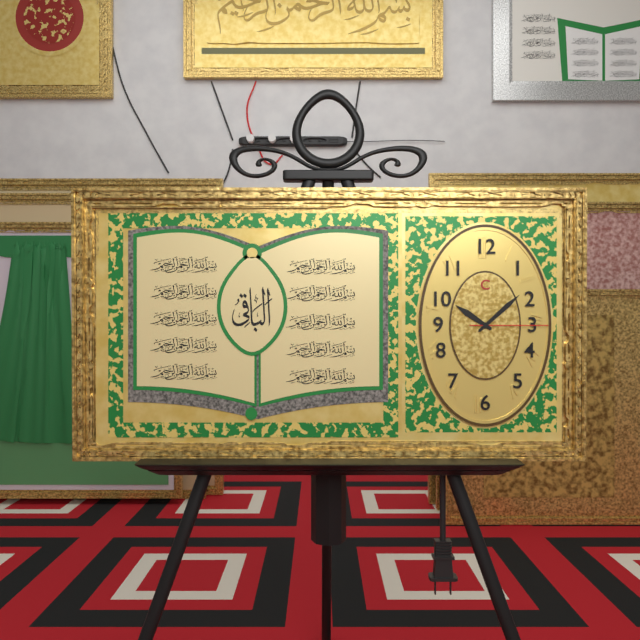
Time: **10:08:15**
